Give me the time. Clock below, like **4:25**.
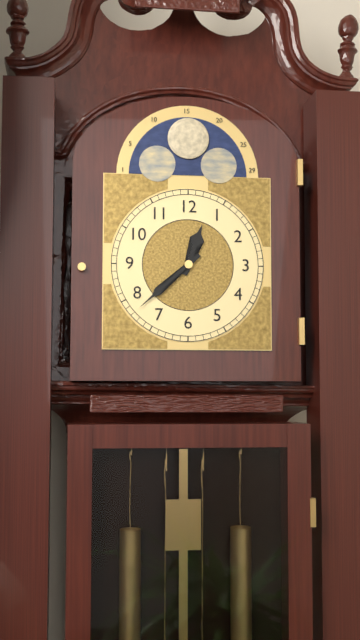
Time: **12:38**
